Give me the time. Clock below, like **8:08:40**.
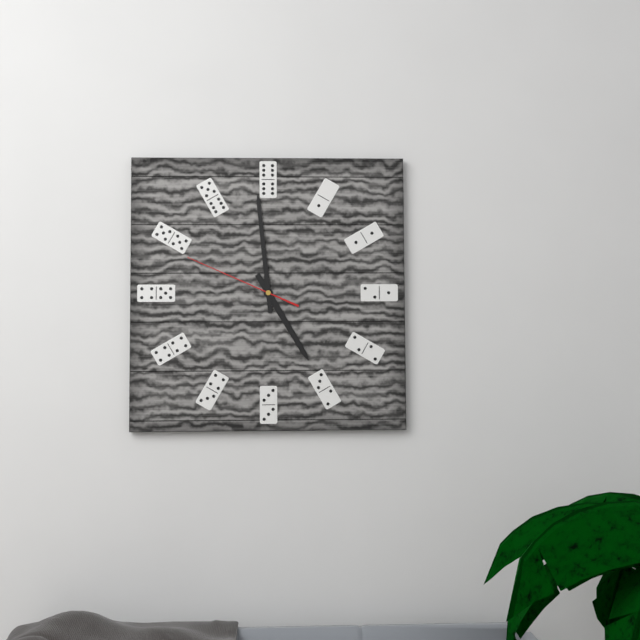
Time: **4:59:49**
